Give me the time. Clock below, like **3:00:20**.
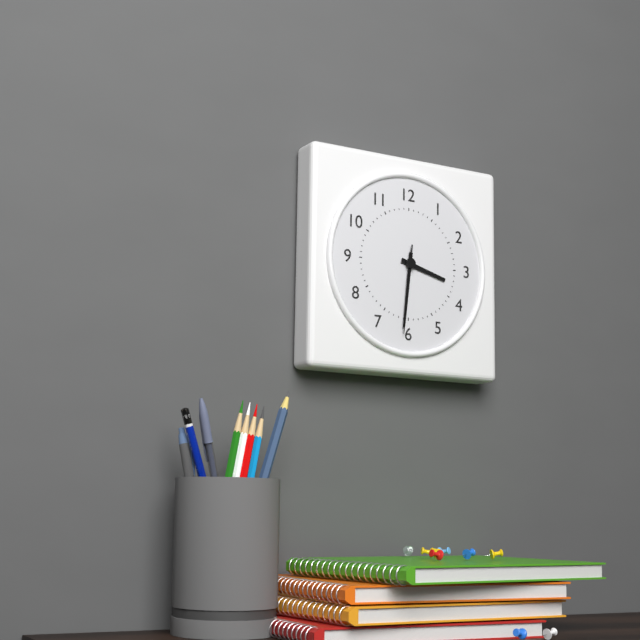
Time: **3:31:31**
